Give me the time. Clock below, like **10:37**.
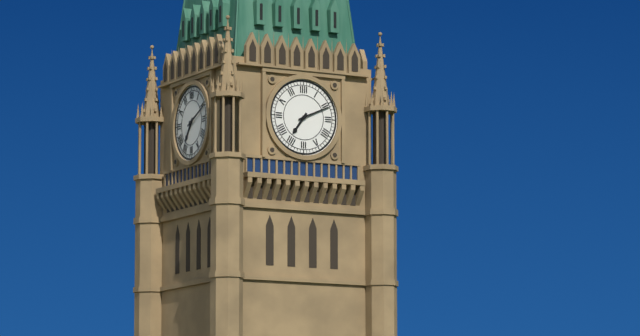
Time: **7:11**
